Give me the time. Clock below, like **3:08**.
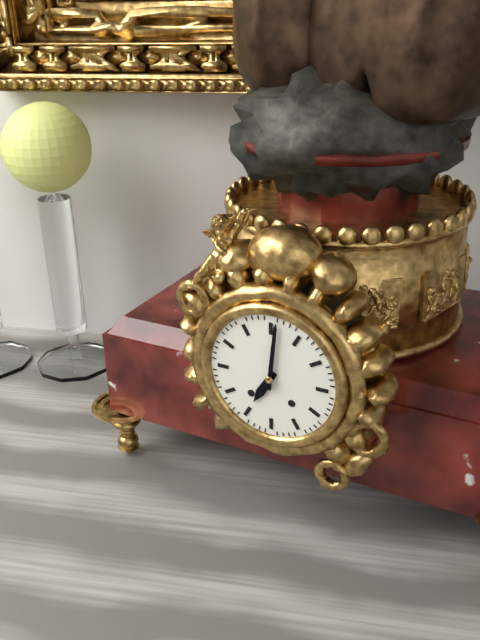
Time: **7:01**
